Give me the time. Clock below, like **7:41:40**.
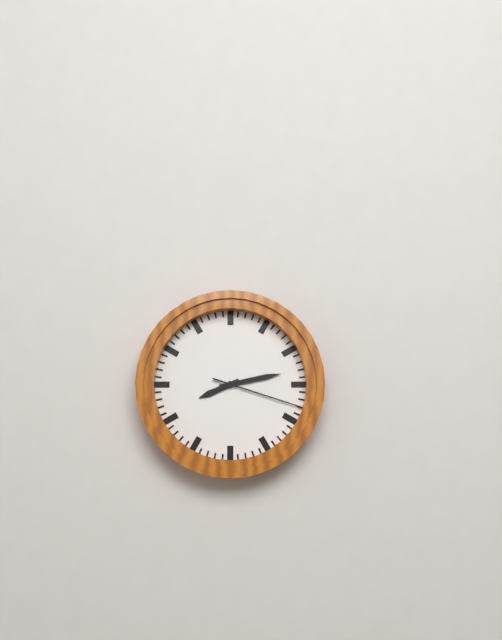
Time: **8:13:18**
